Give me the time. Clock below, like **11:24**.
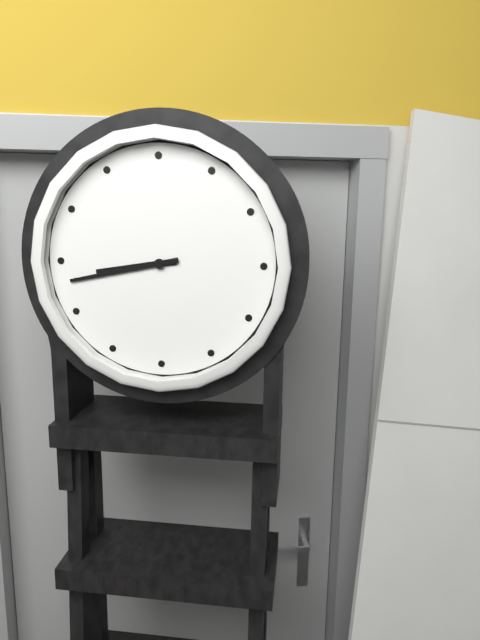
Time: **8:43**
